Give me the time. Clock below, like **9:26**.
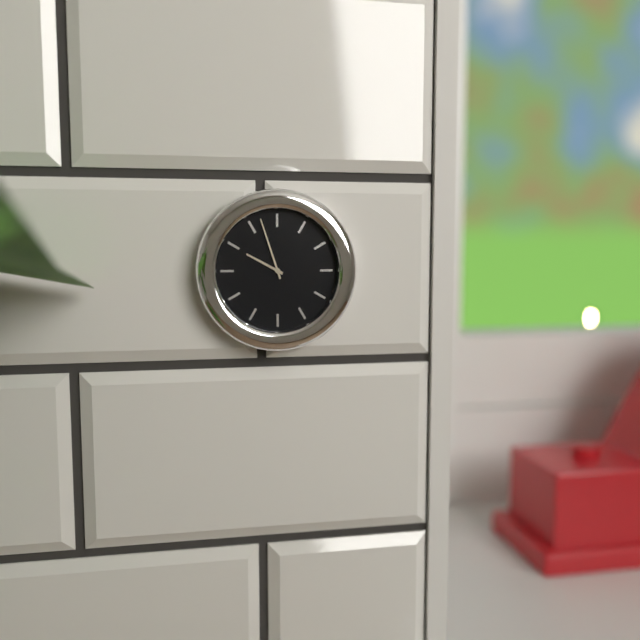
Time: **9:57**
